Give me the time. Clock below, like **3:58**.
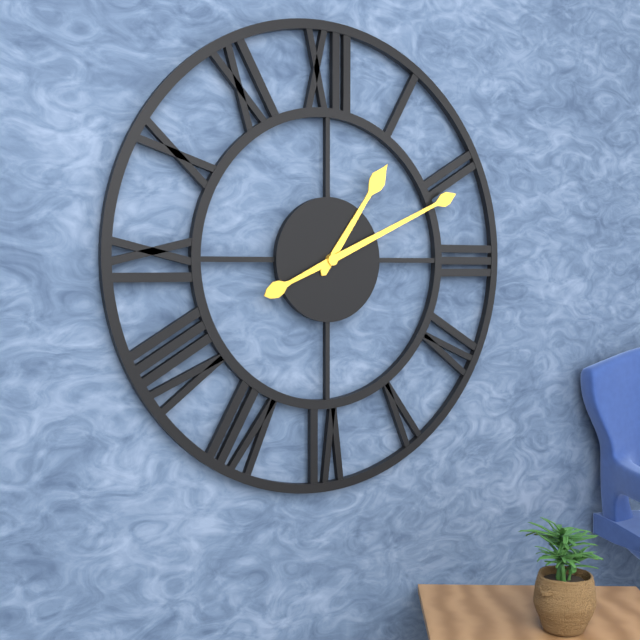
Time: **1:11**
